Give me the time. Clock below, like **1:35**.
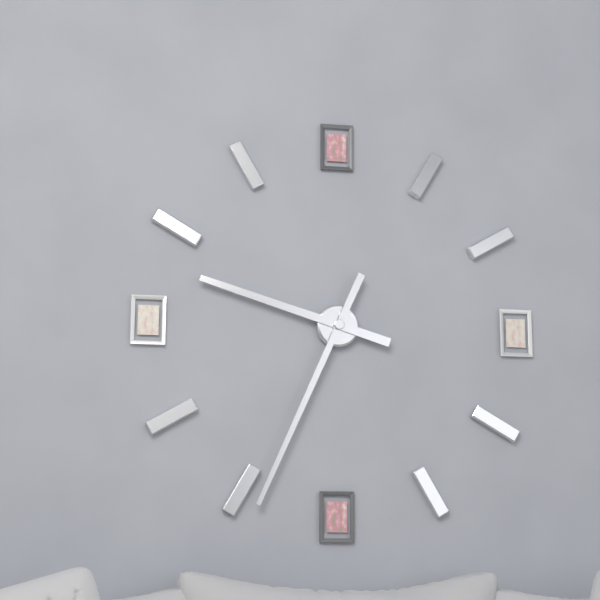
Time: **9:34**
